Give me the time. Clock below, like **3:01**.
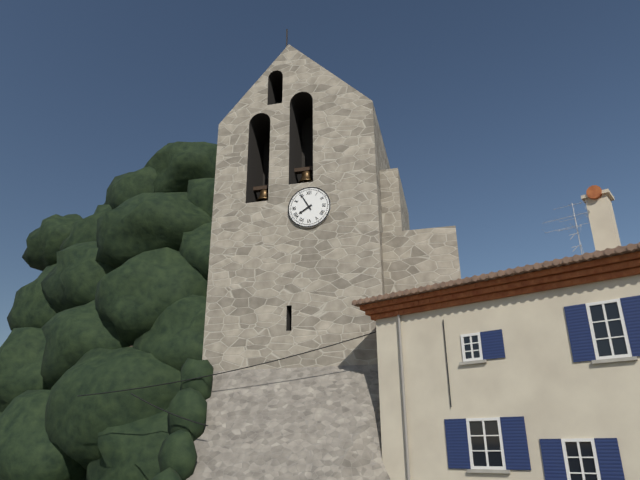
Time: **7:55**
